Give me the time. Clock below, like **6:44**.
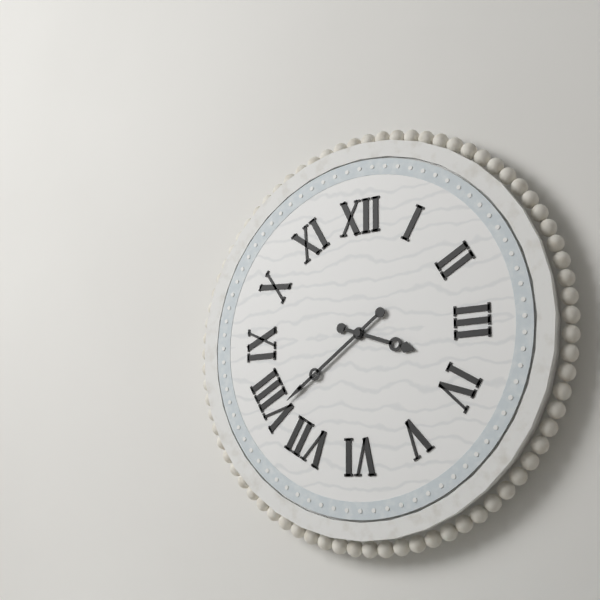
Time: **3:39**
